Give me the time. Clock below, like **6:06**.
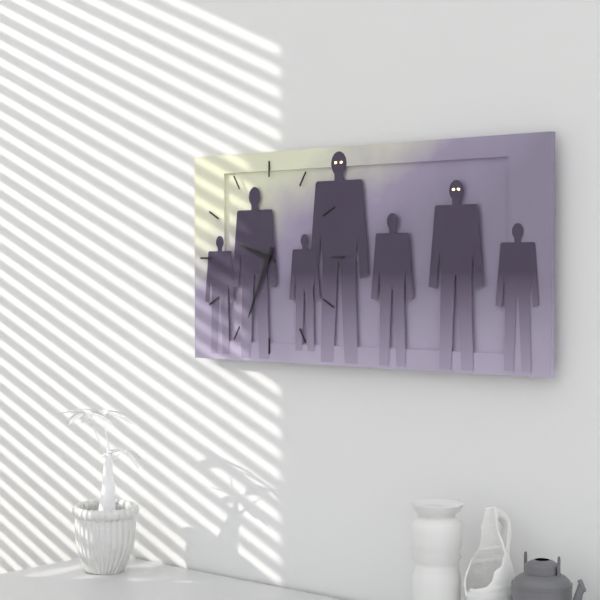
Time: **9:34**
